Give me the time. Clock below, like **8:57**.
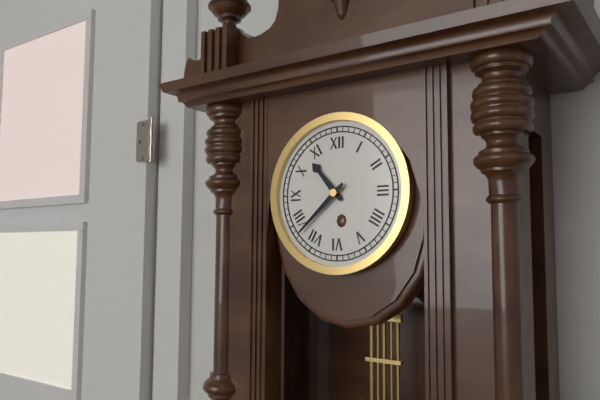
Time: **10:38**
